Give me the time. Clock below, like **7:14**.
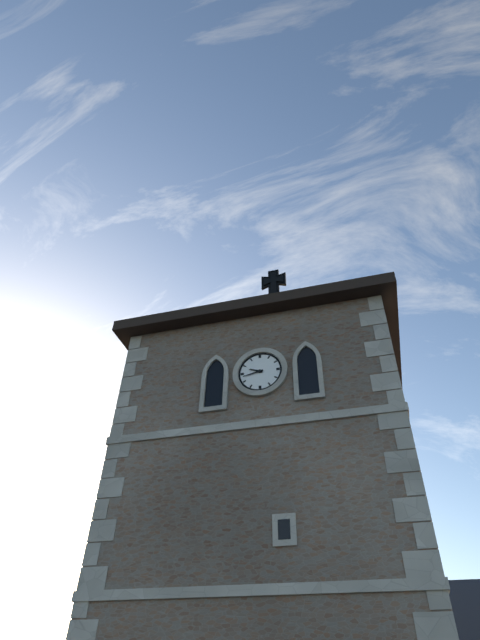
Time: **9:43**
